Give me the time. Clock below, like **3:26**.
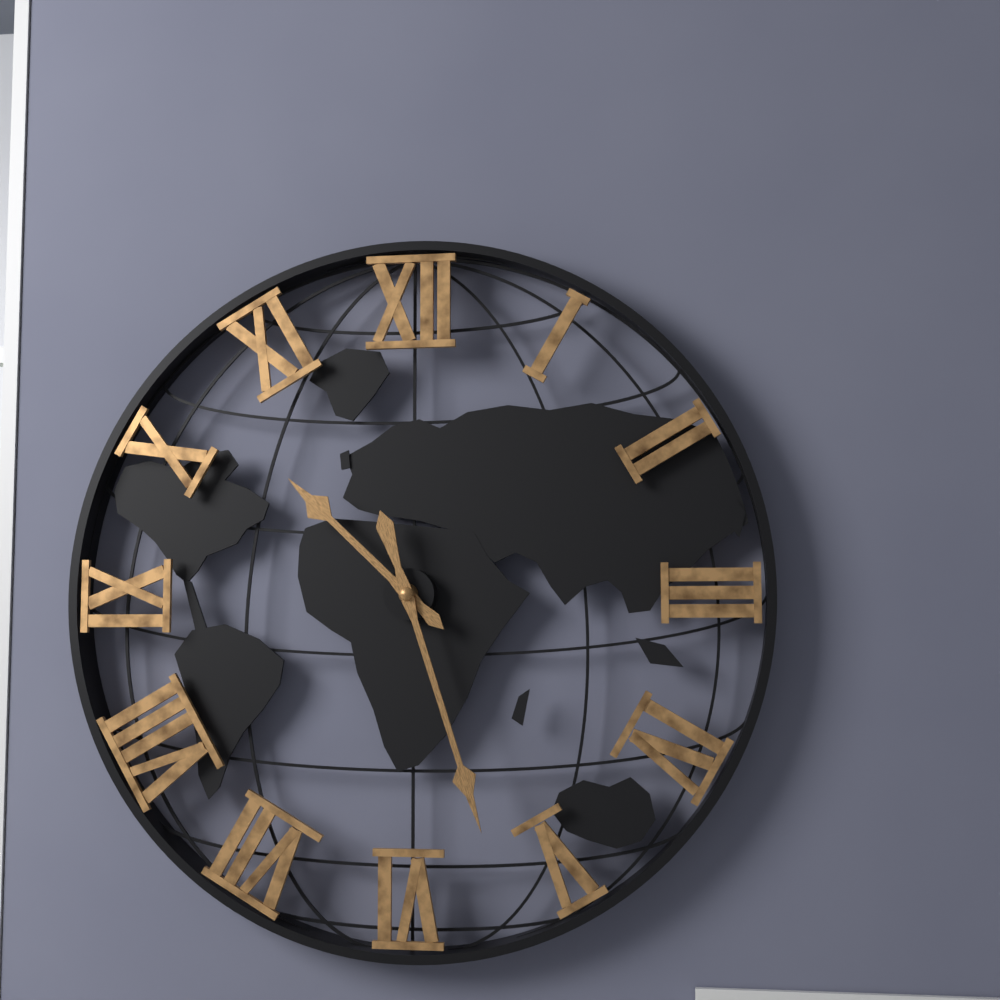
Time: **10:27**
